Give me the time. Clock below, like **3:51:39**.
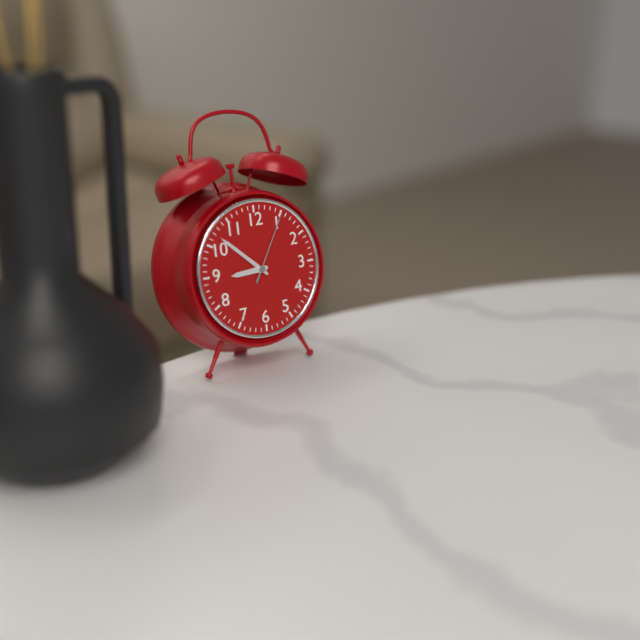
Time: **8:52:05**
